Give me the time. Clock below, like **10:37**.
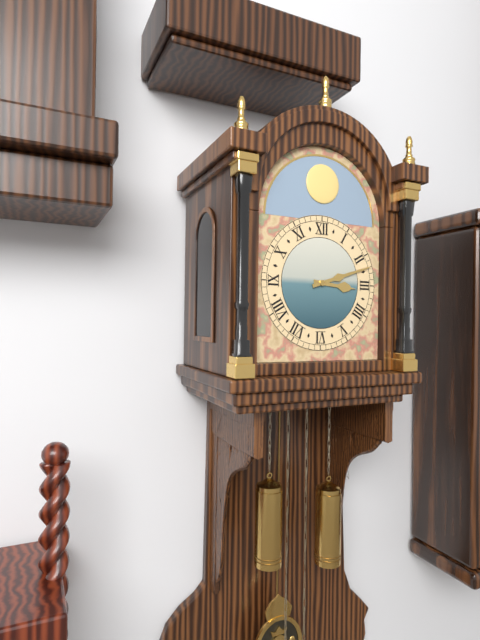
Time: **3:12**
